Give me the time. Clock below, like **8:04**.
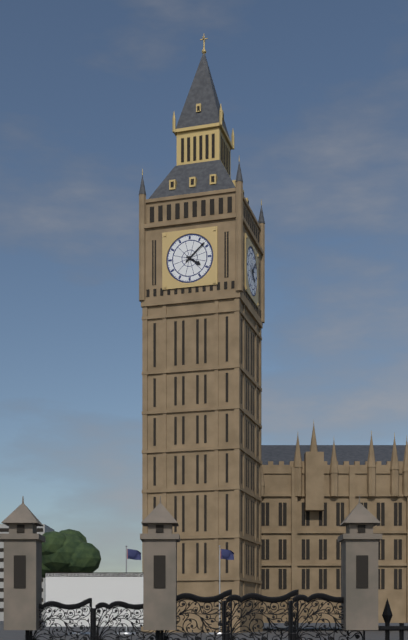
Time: **4:08**
